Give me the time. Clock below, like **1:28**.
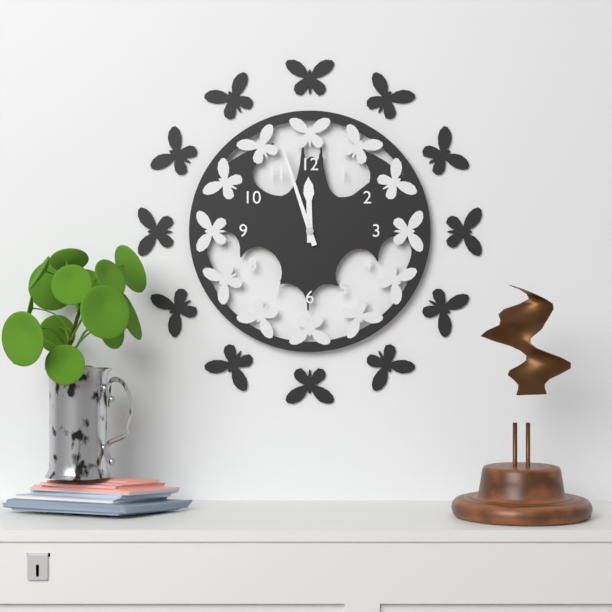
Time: **11:57**
